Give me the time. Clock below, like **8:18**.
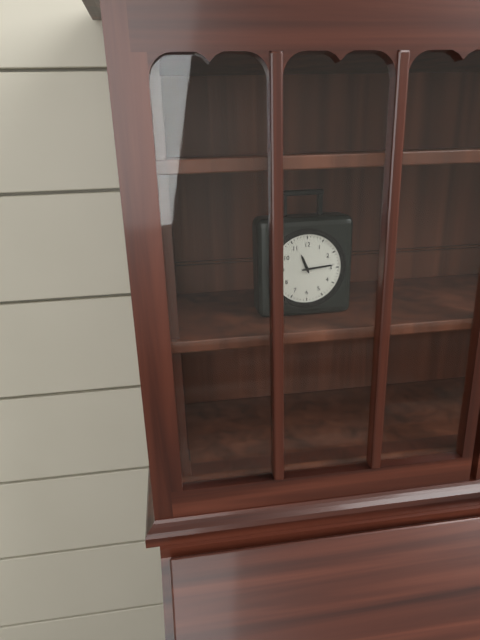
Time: **11:14**
